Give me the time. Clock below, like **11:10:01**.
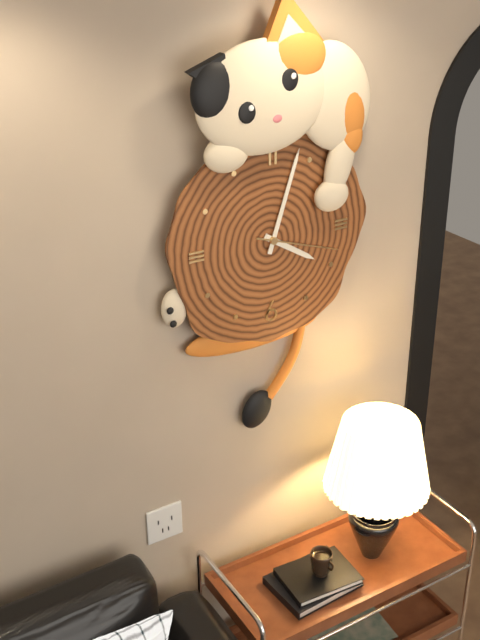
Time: **4:03:18**
